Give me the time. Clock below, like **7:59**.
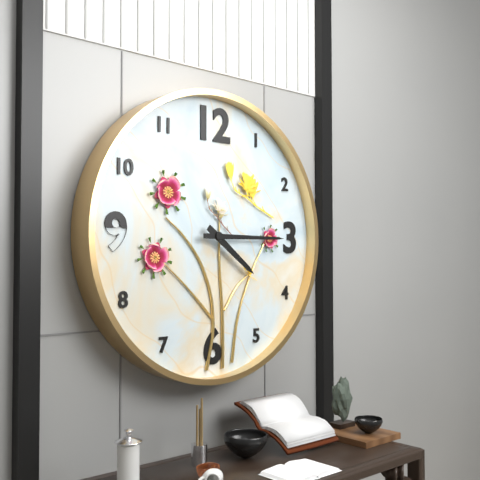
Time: **4:15**
